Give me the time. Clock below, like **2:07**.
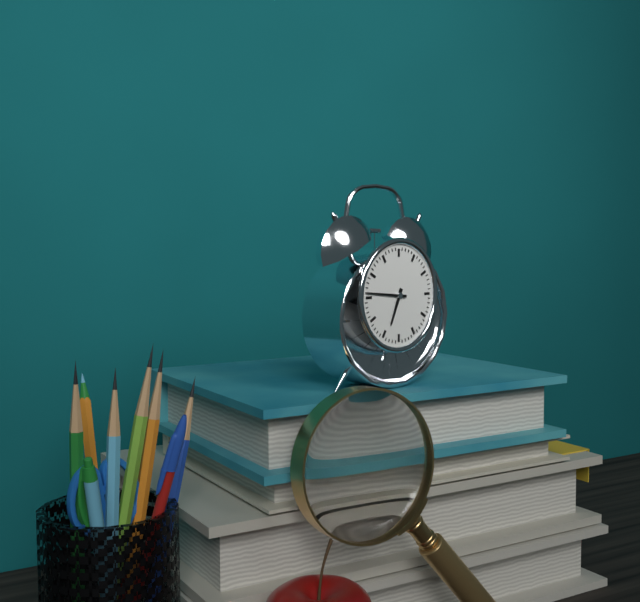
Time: **6:46**
